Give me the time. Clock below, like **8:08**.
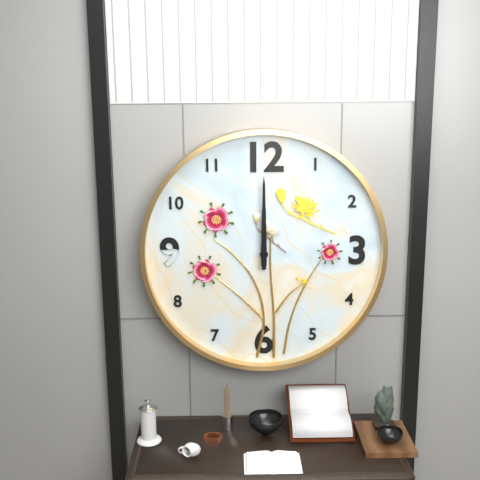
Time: **12:00**
